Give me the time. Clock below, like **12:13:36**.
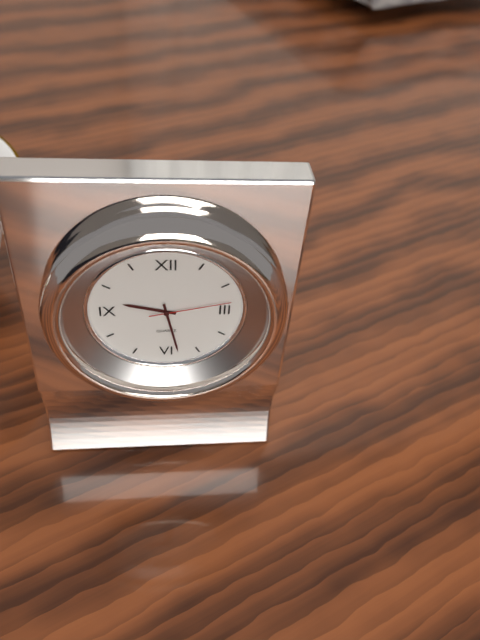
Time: **9:28:13**
